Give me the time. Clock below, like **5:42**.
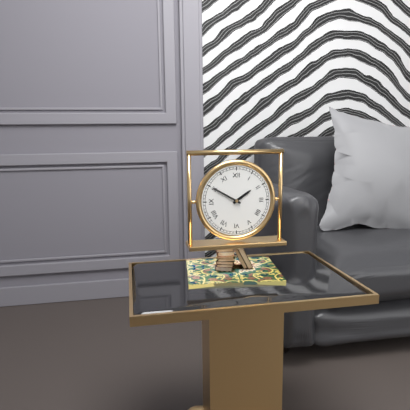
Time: **1:50**
